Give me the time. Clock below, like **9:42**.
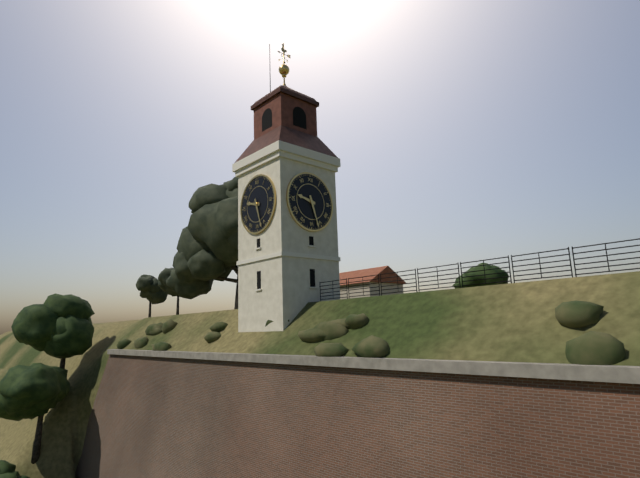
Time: **9:27**
